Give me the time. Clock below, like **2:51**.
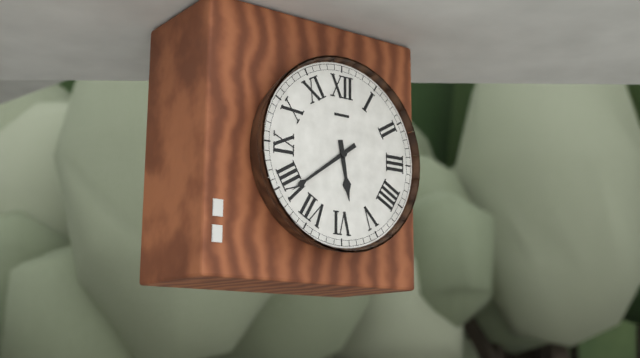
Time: **5:39**
